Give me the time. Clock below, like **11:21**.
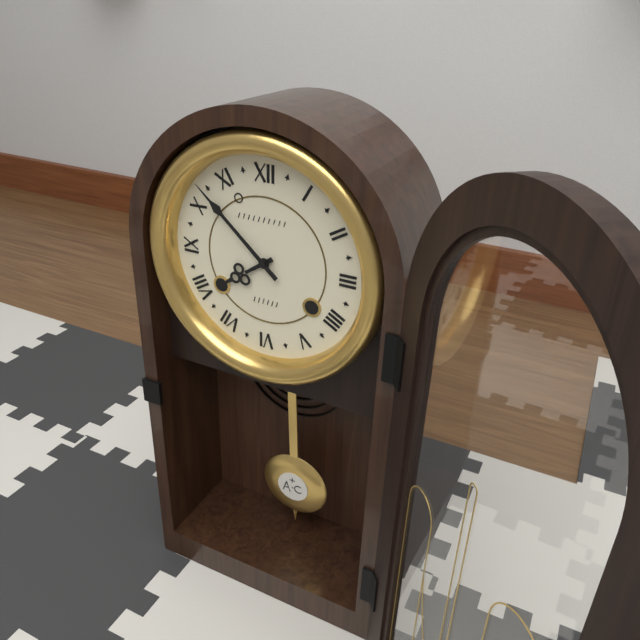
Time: **7:52**
